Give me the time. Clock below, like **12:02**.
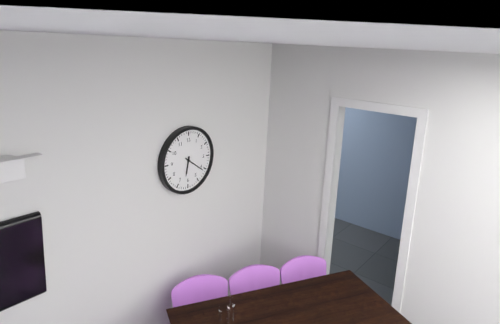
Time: **6:21**
